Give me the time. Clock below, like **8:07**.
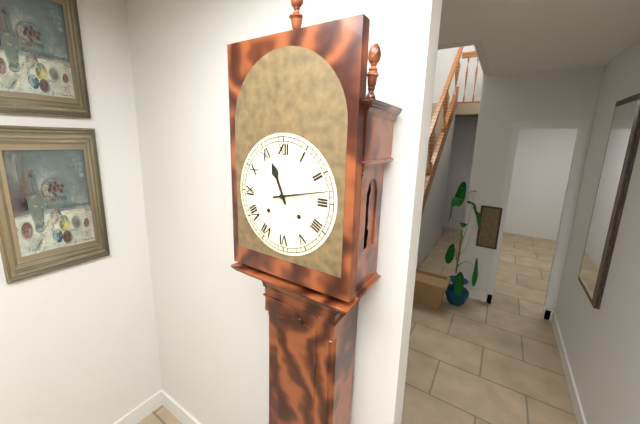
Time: **11:13**
